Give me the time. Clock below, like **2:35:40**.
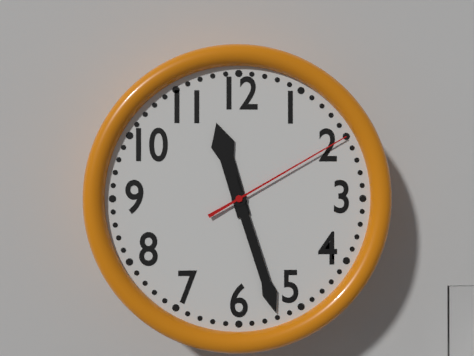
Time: **11:27:10**
